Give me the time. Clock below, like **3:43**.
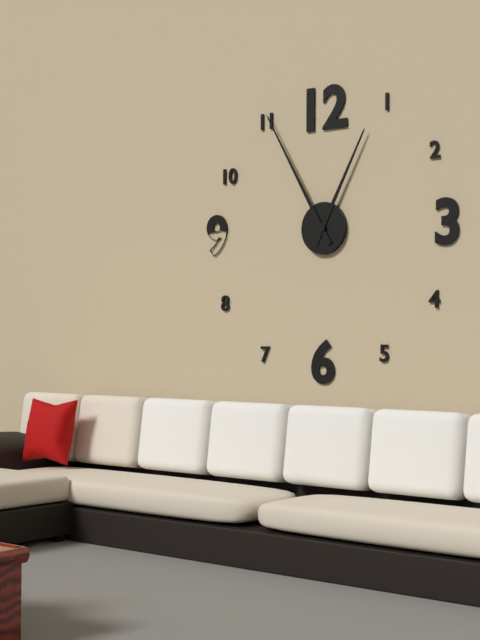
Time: **12:55**
